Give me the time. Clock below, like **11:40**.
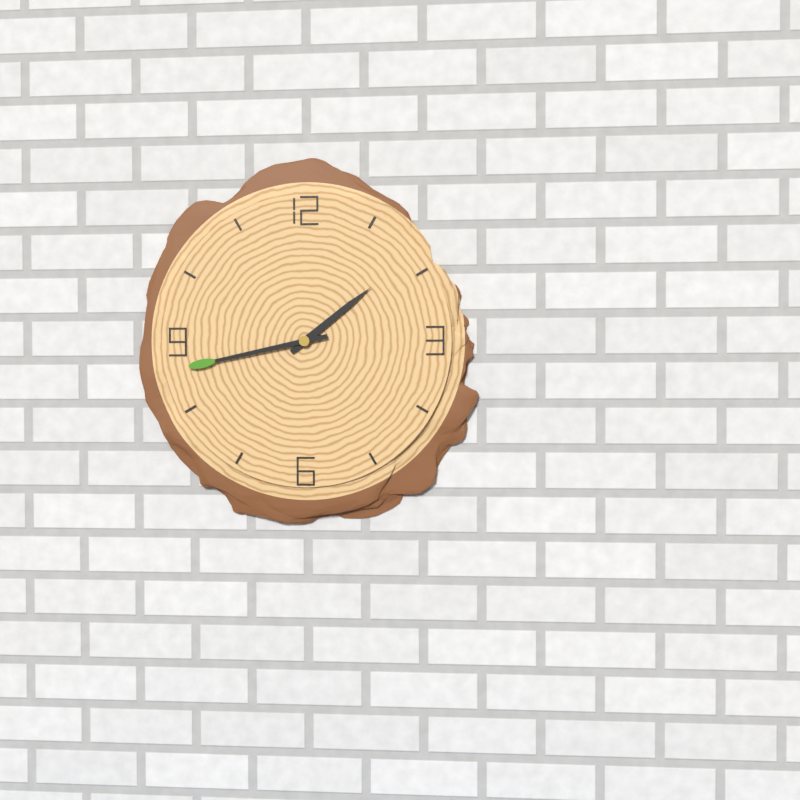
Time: **1:43**
